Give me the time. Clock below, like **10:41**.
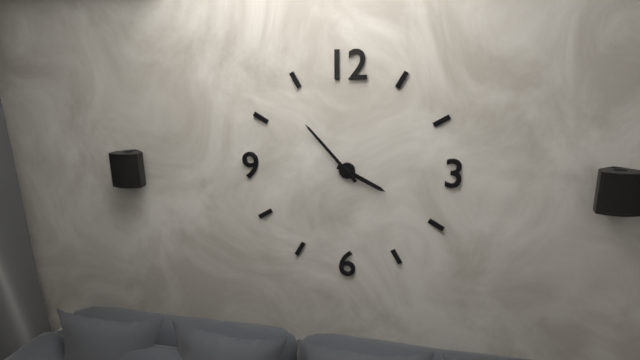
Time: **3:53**
